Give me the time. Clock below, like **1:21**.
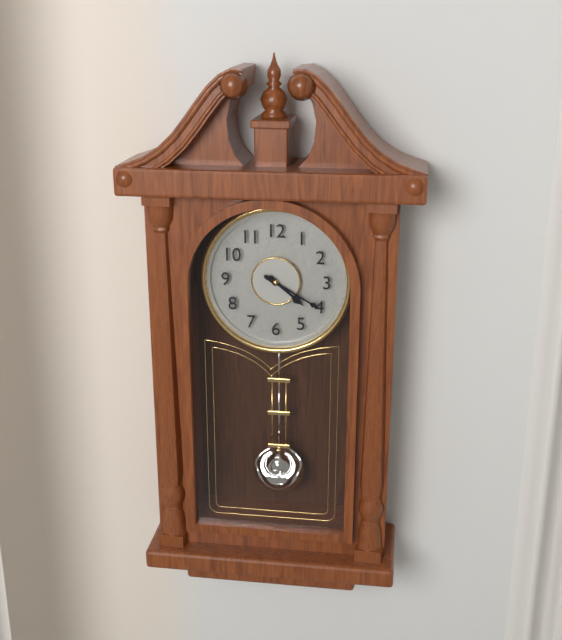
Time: **4:20**
